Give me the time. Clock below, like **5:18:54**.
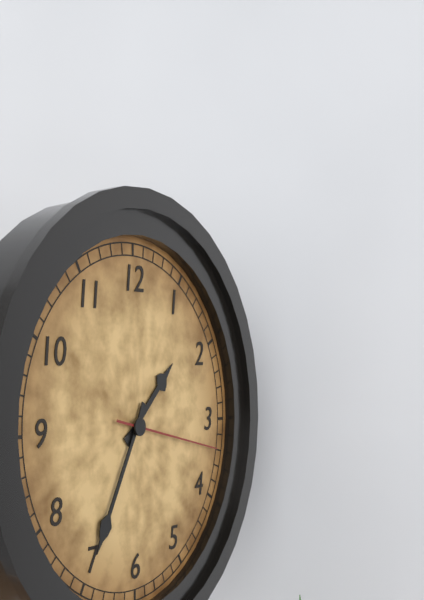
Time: **1:35:17**
